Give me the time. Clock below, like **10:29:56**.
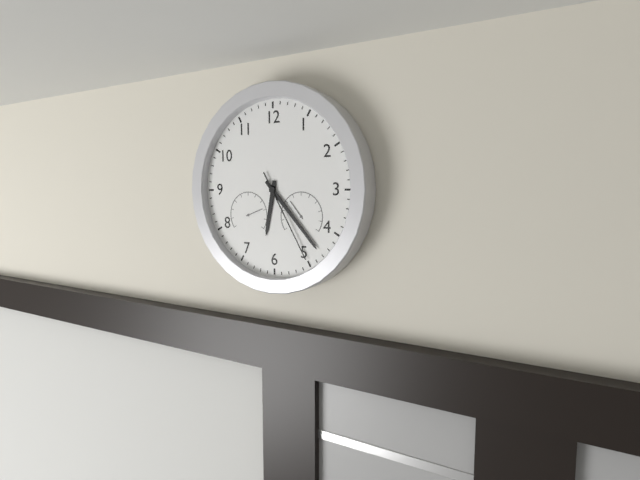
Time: **6:23:25**
